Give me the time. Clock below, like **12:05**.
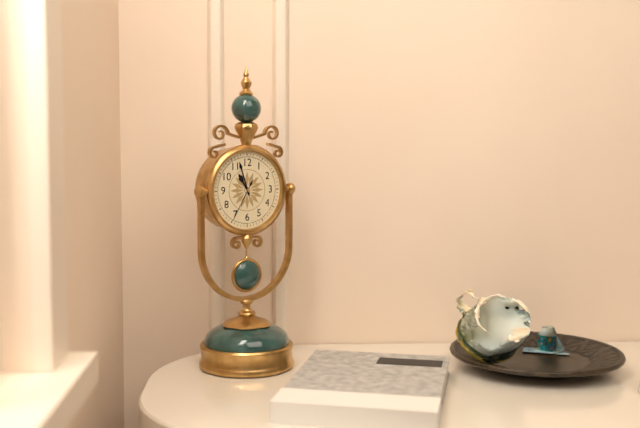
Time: **10:57**
